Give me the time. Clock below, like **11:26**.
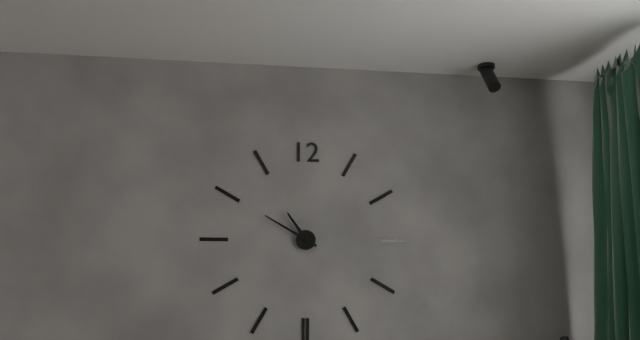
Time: **10:50**
